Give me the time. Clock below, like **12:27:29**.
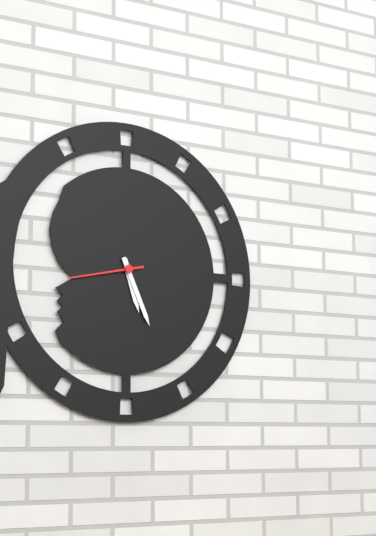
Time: **5:26:43**
